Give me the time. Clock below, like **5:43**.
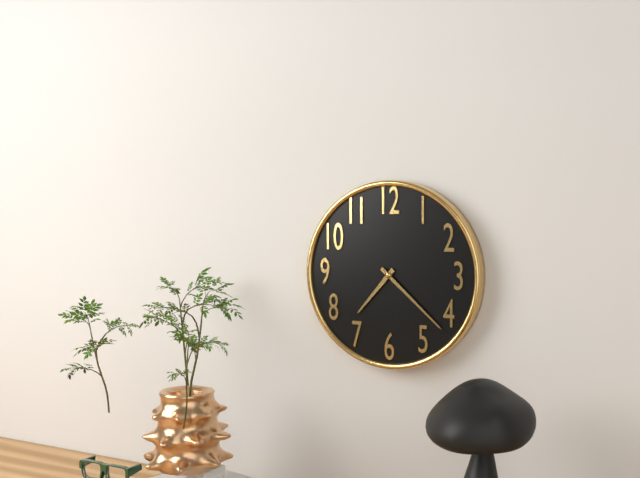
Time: **7:22**
